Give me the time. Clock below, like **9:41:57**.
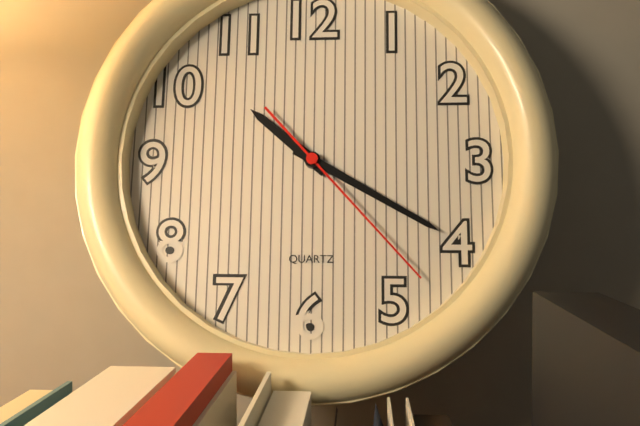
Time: **10:20:23**
